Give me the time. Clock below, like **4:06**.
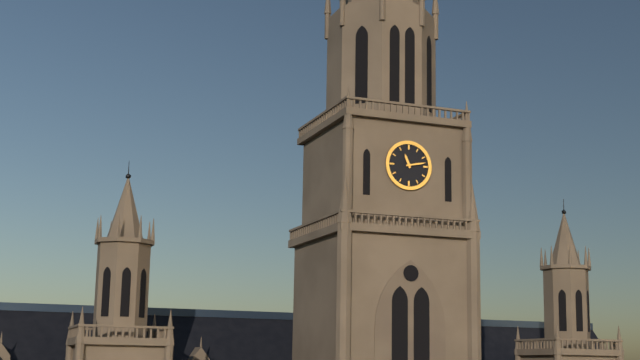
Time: **11:13**
